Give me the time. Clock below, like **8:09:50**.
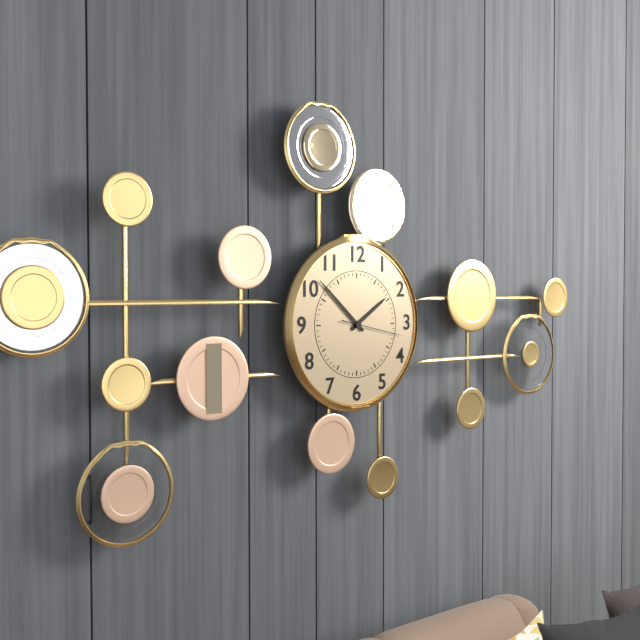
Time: **1:52:17**
